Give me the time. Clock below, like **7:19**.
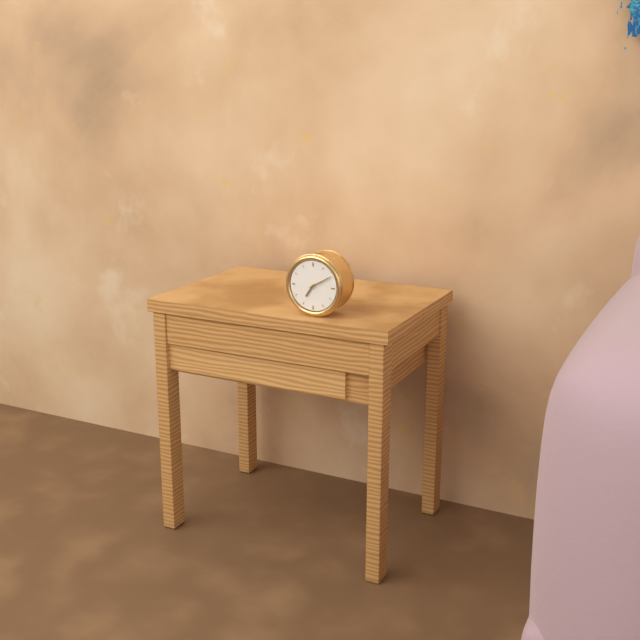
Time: **7:10**
